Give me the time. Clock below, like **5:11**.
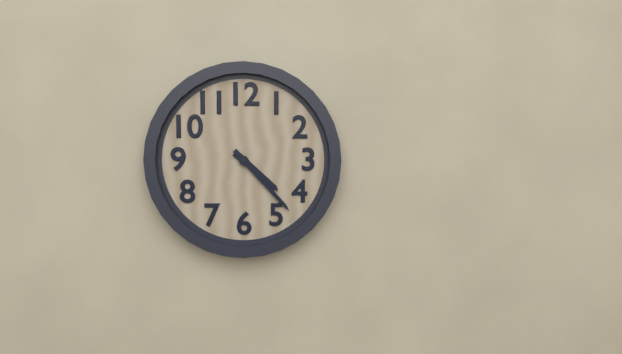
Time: **4:23**
